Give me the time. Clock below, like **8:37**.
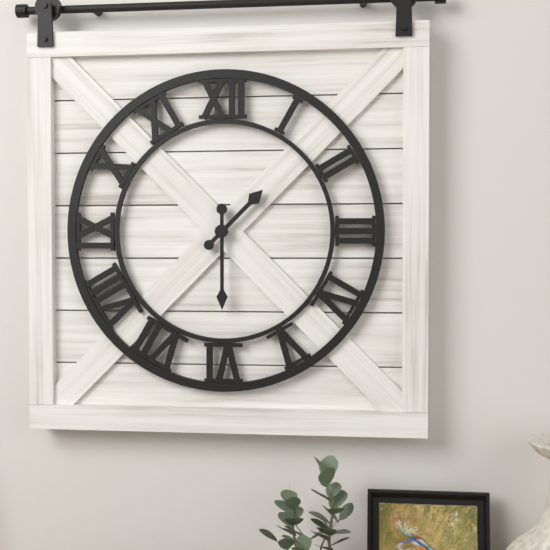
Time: **1:30**
